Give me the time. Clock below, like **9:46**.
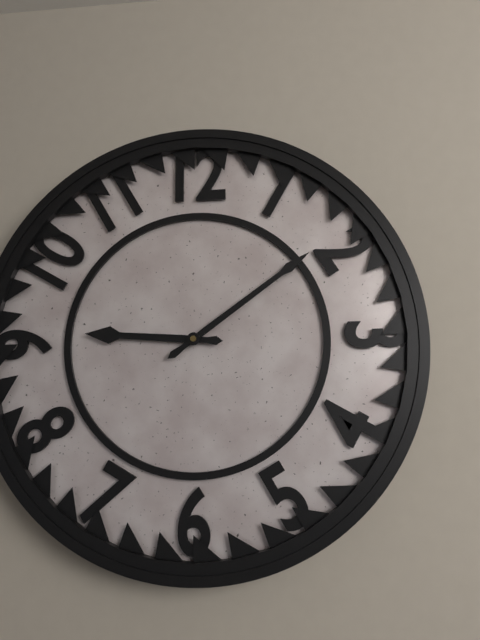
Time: **9:09**
